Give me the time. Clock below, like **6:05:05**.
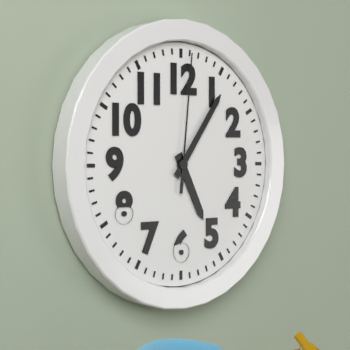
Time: **5:06:01**
